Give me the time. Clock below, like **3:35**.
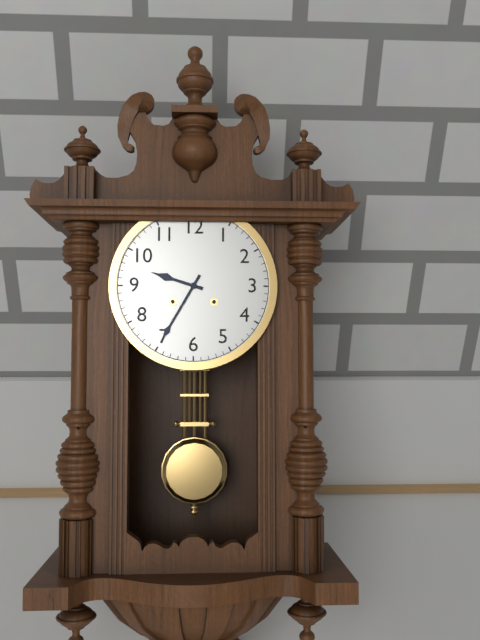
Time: **9:35**
